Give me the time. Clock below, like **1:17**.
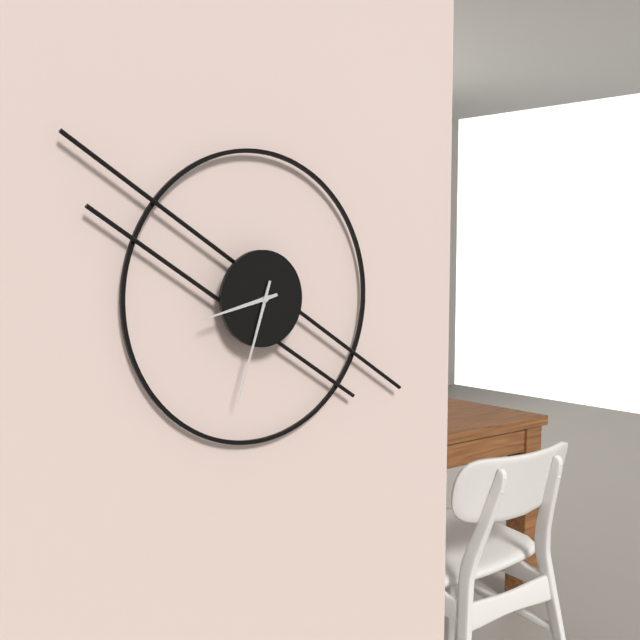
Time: **8:33**
